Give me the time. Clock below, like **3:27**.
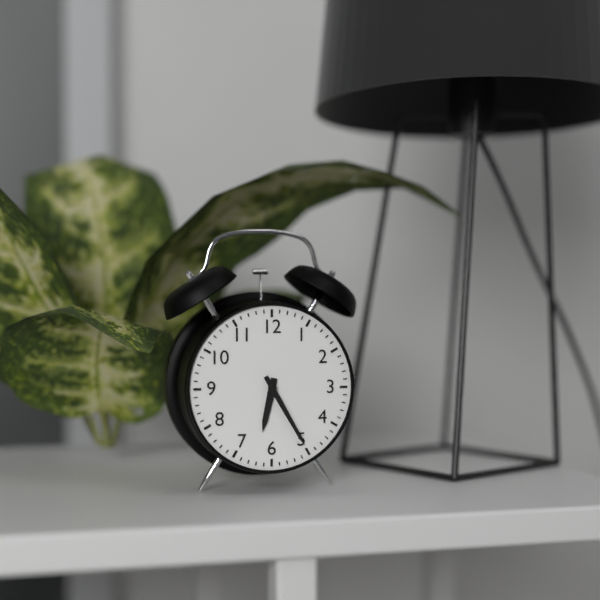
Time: **6:25**
